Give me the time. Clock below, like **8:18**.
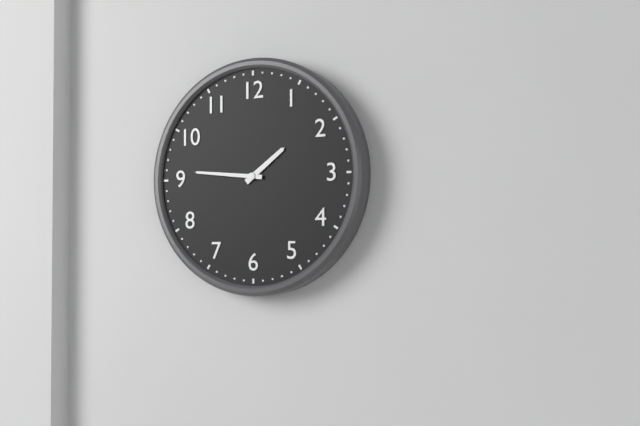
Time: **1:46**
